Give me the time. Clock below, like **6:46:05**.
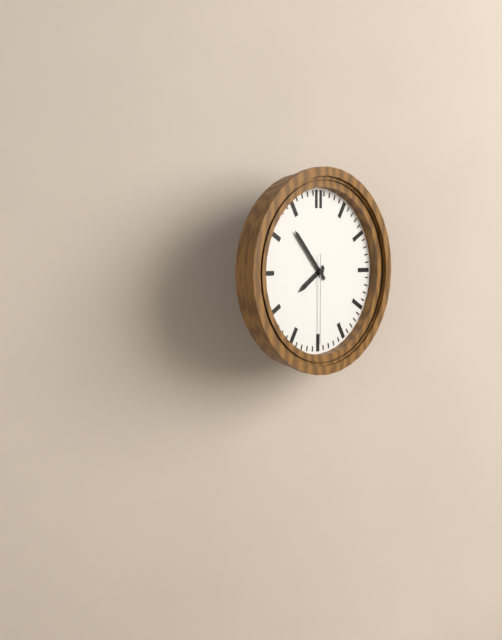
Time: **7:53:30**
